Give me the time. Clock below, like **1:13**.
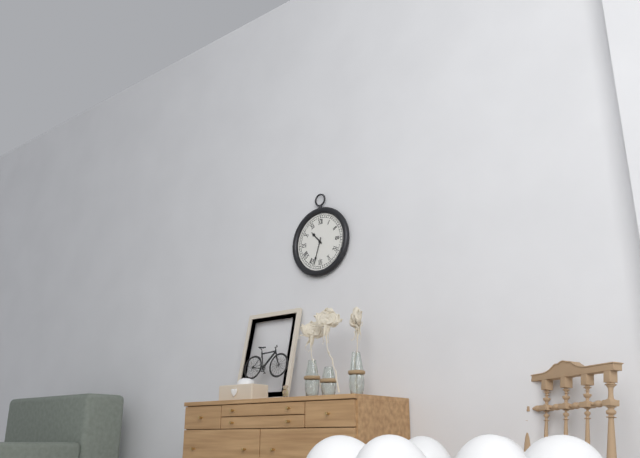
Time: **10:33**
